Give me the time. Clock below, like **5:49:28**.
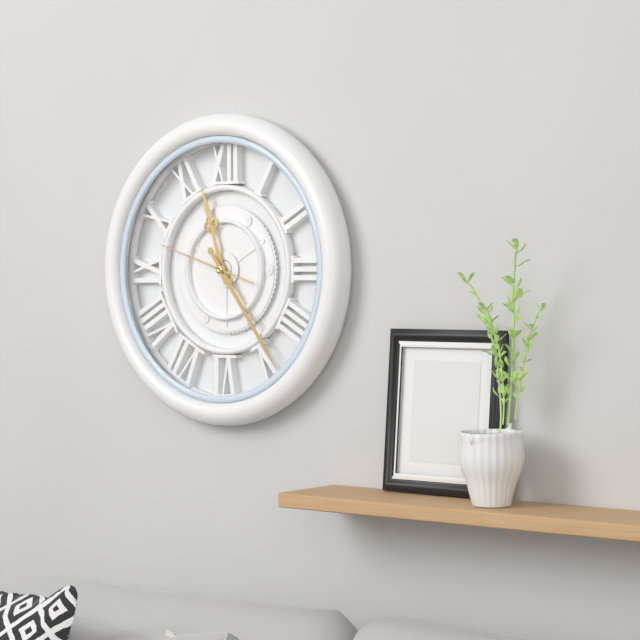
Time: **11:24:48**
